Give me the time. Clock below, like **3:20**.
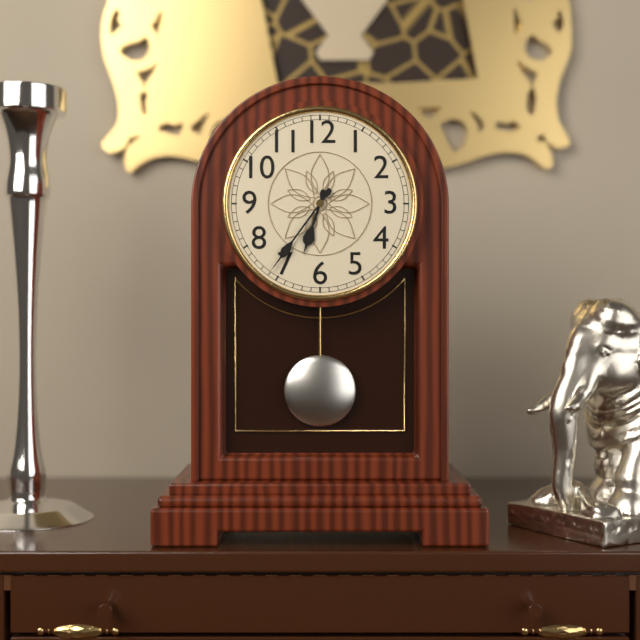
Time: **6:36**
